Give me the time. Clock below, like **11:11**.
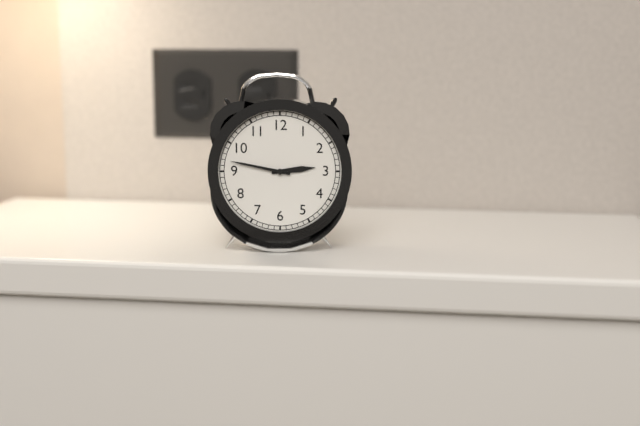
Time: **2:47**
